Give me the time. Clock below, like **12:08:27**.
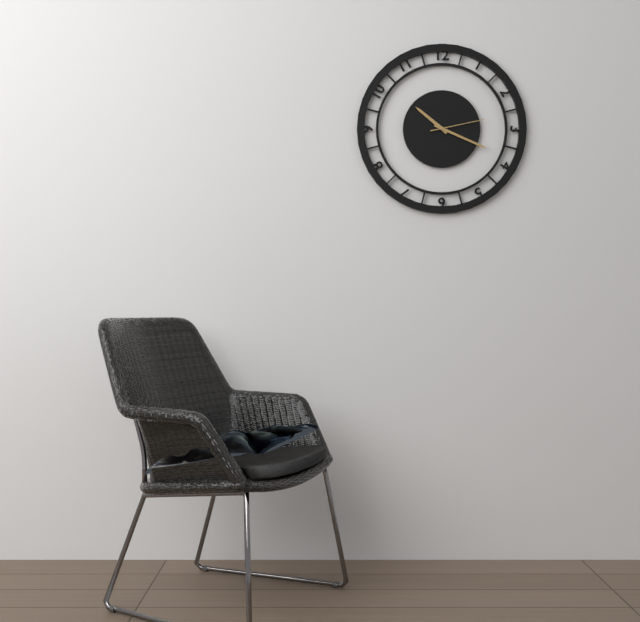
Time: **10:19:13**
